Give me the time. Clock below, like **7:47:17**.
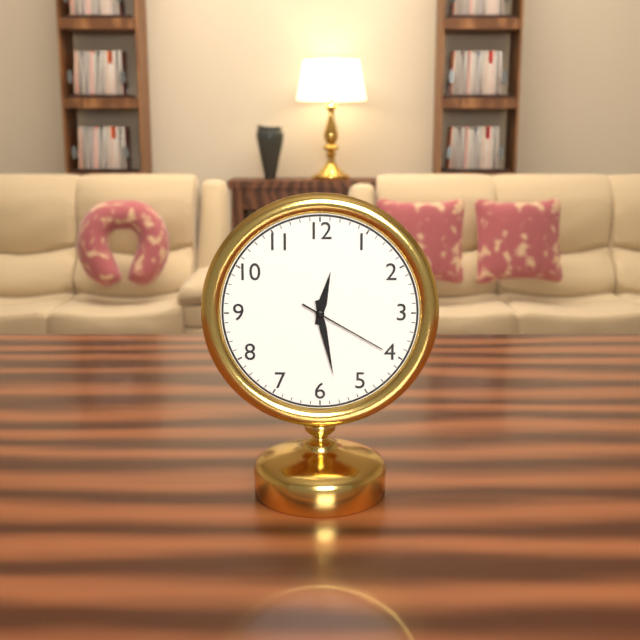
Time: **12:28:20**
